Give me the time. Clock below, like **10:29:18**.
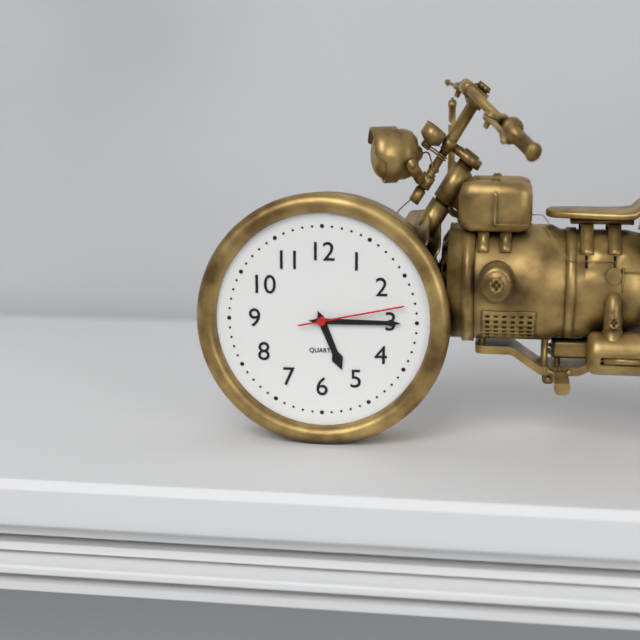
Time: **5:15:13**
